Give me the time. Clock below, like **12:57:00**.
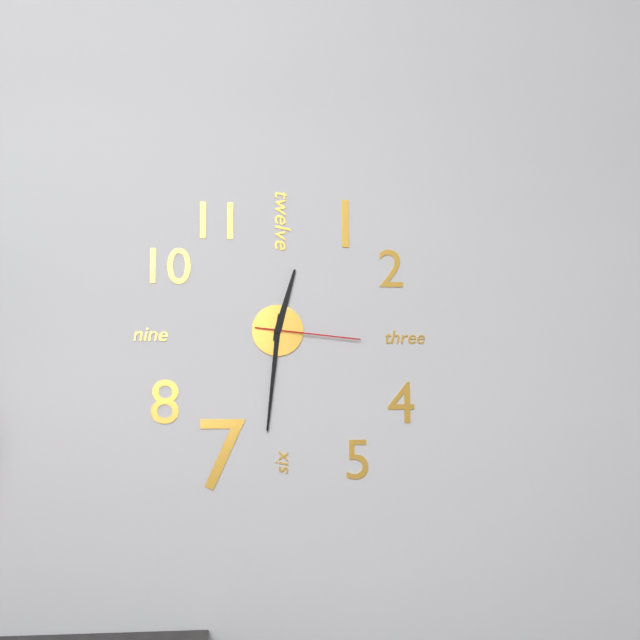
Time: **12:31:16**
